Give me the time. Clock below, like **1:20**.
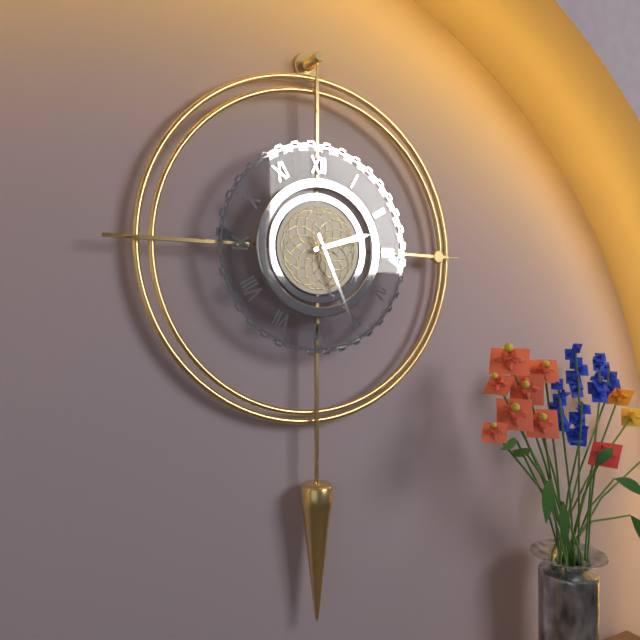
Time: **2:26**
